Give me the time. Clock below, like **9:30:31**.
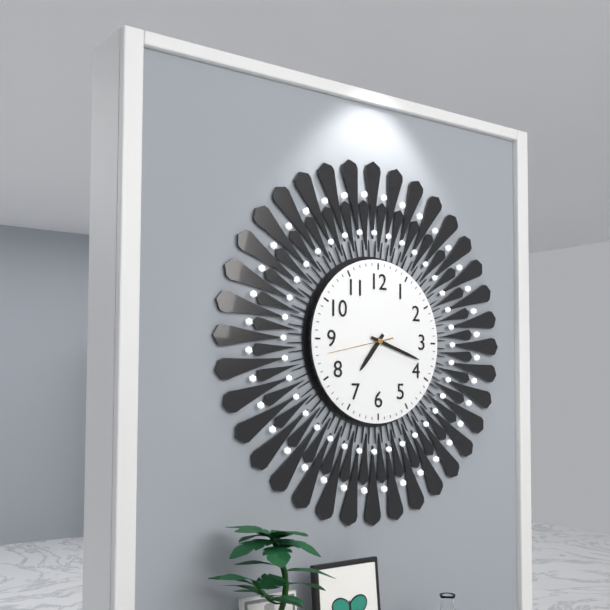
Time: **7:18:43**
